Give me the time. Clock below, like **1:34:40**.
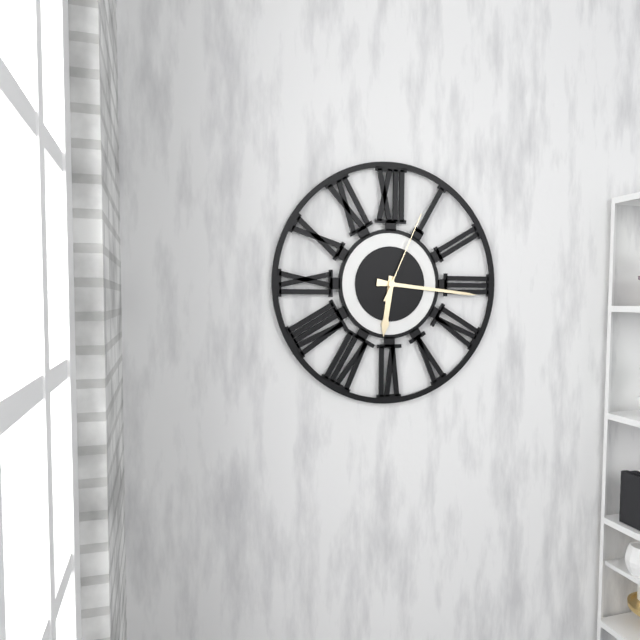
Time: **6:16:04**
